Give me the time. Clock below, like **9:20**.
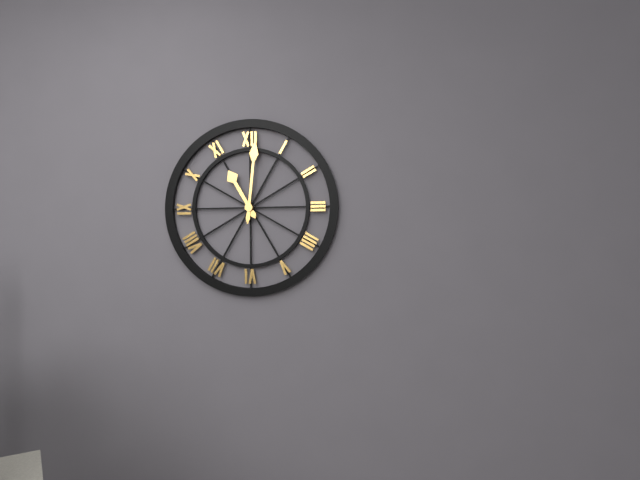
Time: **11:01**
